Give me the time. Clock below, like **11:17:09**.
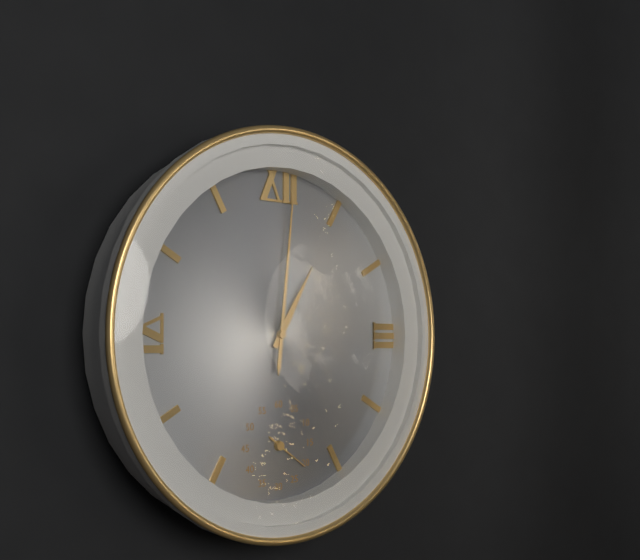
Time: **1:01:21**
